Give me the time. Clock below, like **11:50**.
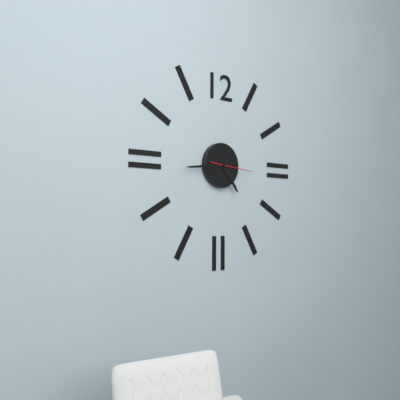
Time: **4:44**
